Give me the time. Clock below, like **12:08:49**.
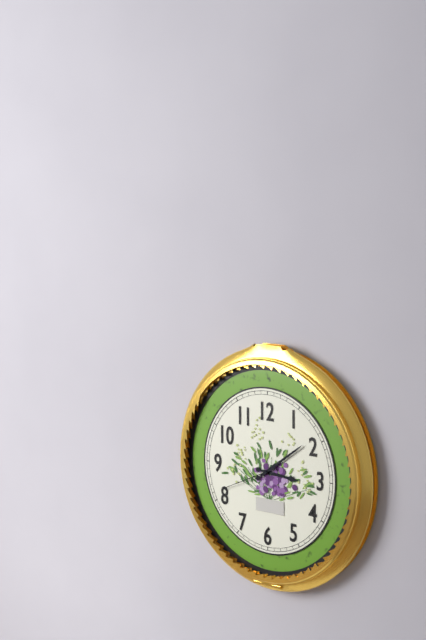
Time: **3:09:41**
